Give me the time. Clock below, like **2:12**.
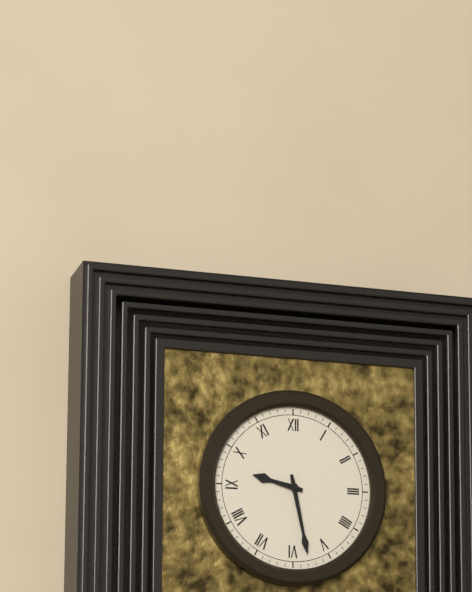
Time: **9:28**
